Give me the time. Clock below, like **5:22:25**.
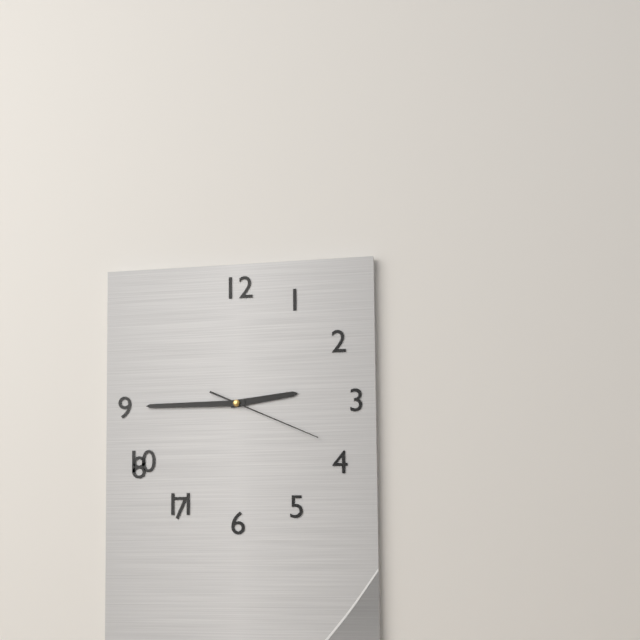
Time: **2:45:19**
